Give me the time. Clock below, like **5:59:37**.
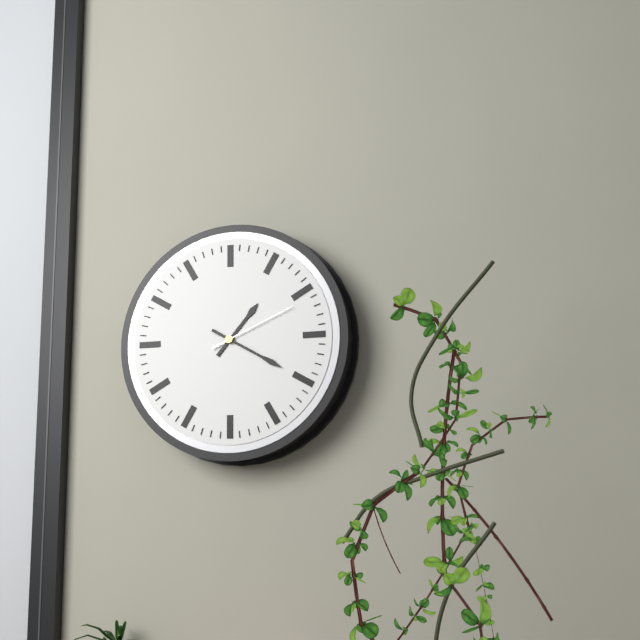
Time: **1:20:11**
